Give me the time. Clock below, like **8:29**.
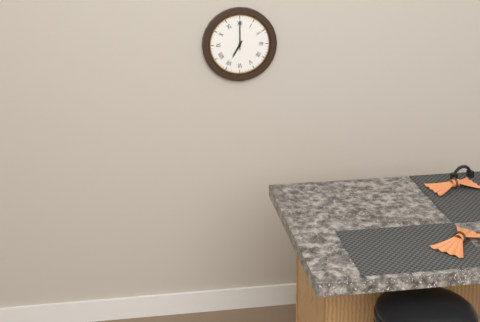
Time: **7:00**
